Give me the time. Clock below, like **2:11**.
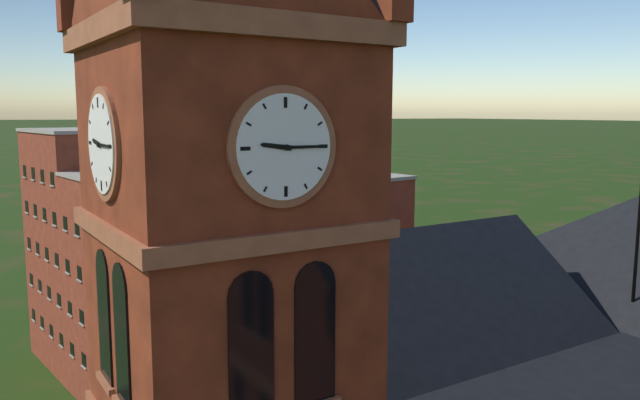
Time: **9:15**
